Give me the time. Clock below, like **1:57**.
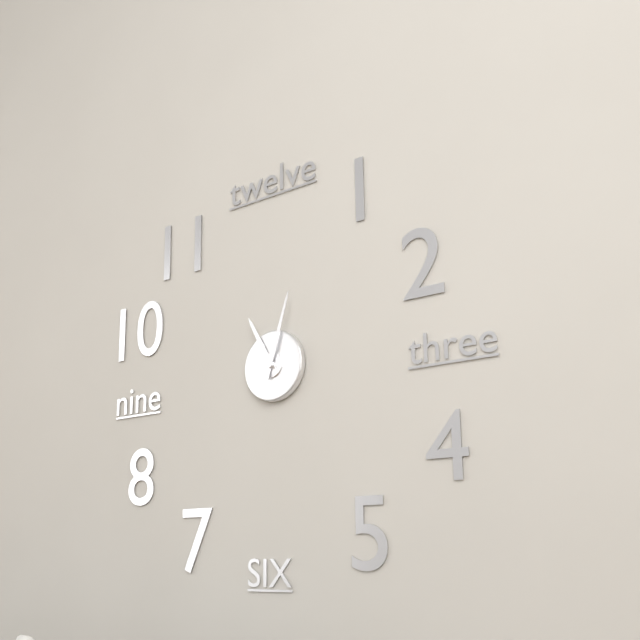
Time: **11:03**
